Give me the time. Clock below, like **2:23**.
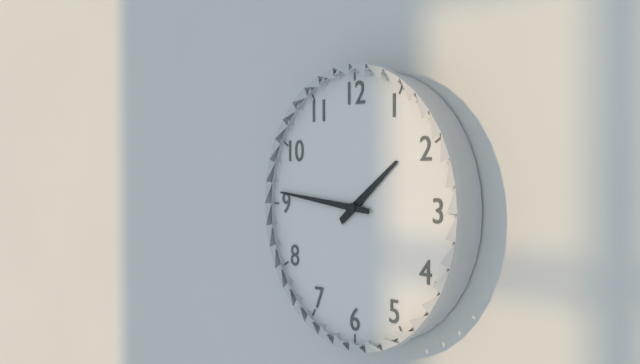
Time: **1:46**
